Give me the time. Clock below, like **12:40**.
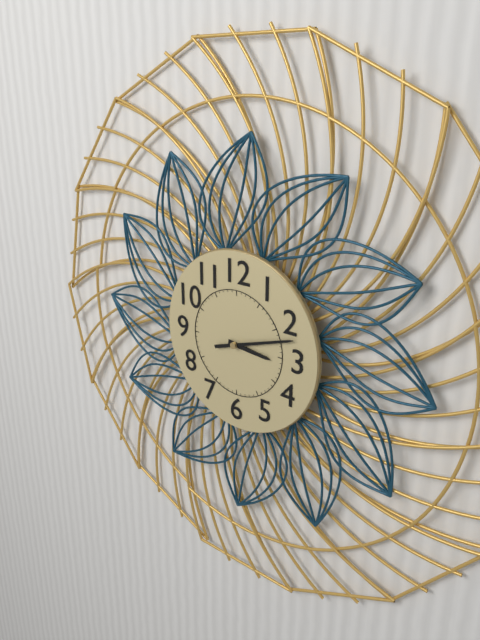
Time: **3:12**
